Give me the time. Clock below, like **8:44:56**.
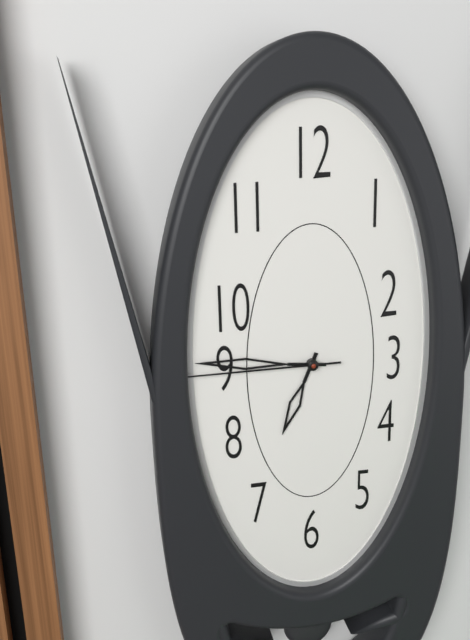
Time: **6:46:45**
